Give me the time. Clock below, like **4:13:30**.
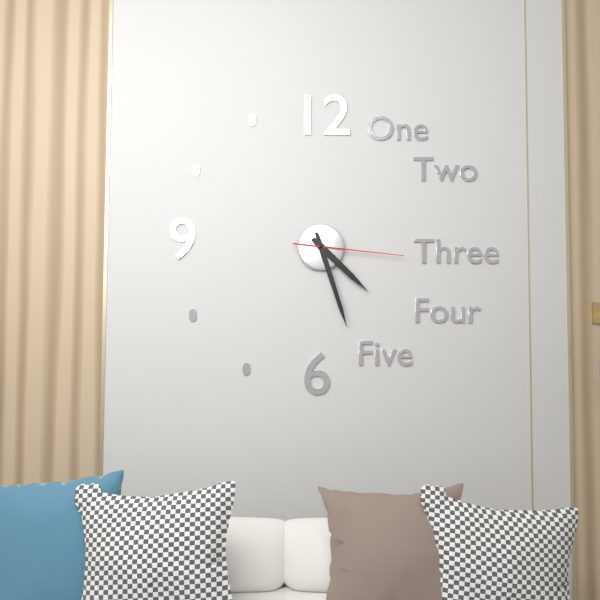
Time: **4:27:16**
